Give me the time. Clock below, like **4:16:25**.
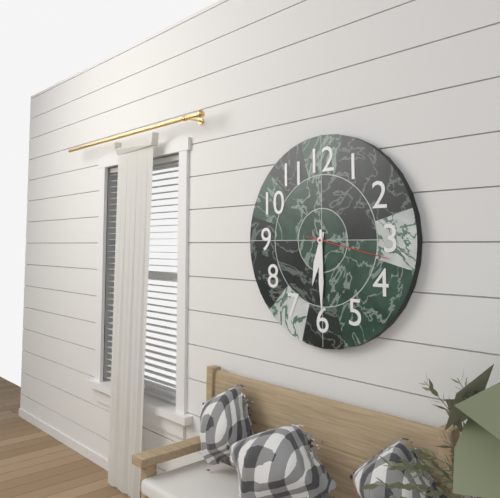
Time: **6:30:17**
